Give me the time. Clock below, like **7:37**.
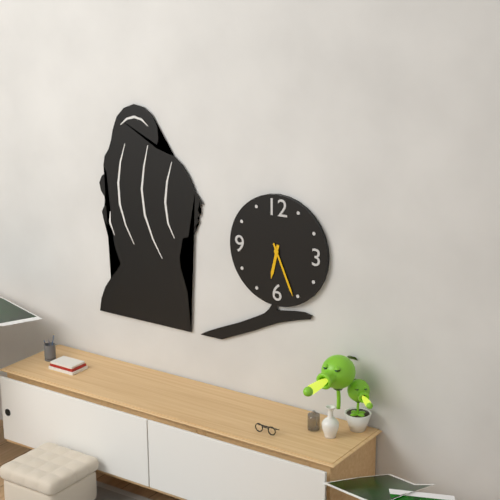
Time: **6:26**
